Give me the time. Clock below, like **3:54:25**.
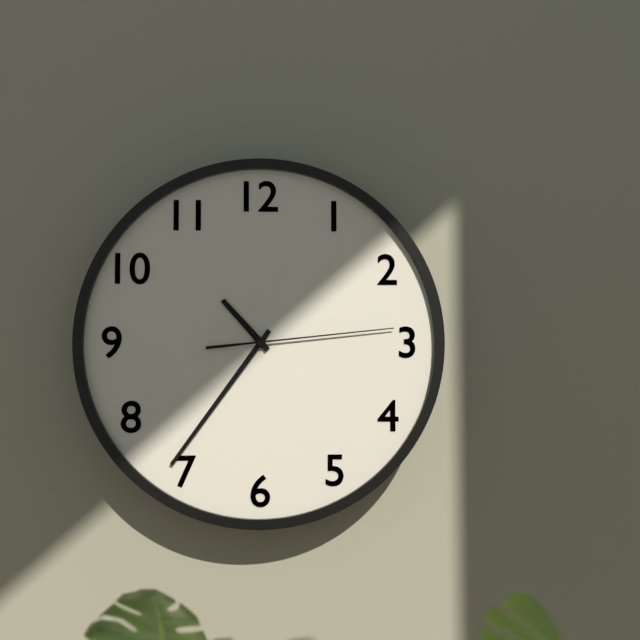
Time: **10:36:14**
